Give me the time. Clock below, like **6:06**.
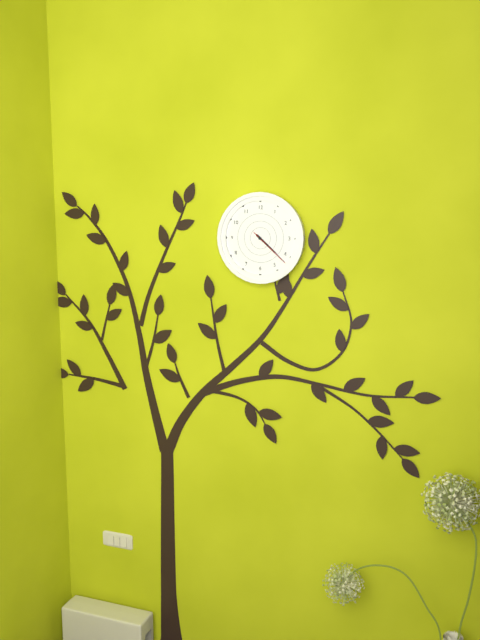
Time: **4:22**
